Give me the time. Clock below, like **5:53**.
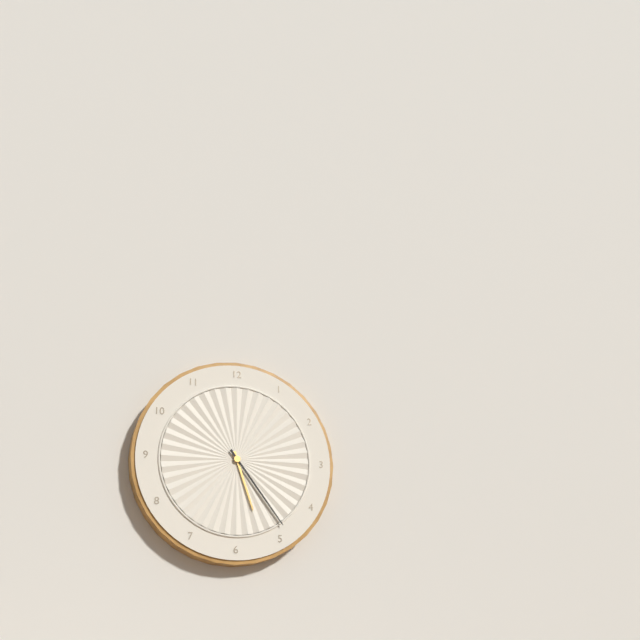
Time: **5:24**
